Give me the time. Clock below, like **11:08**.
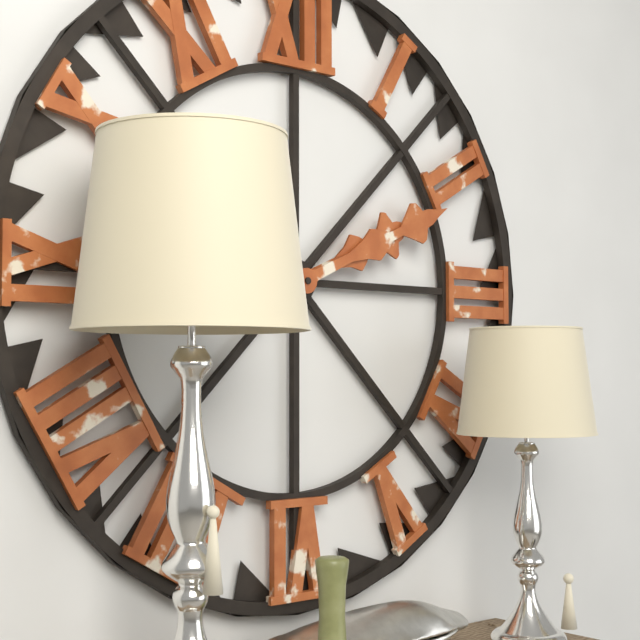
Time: **2:11**
